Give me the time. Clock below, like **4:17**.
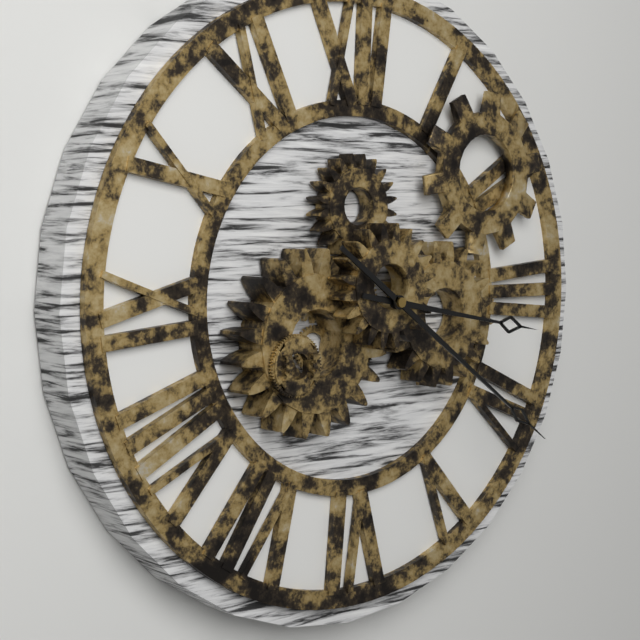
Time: **3:21**
